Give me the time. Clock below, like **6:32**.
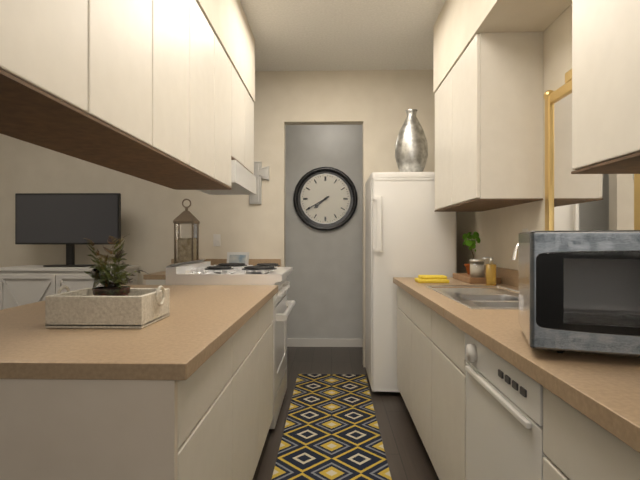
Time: **7:40**
